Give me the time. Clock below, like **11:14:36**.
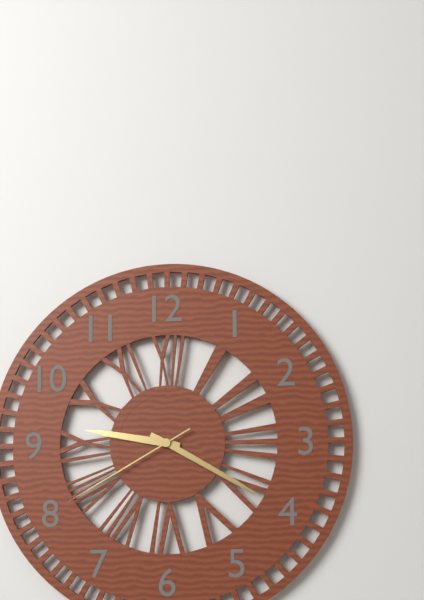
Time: **9:20:40**
